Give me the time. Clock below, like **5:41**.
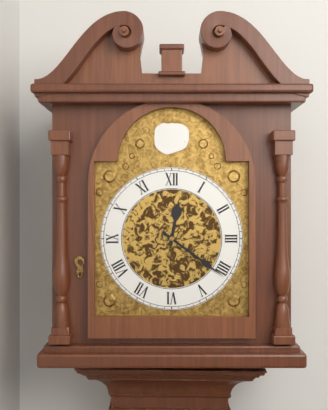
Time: **12:21**
